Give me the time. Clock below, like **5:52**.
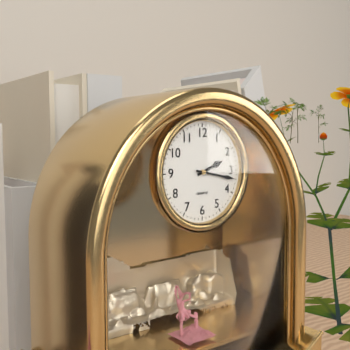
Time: **2:17**
